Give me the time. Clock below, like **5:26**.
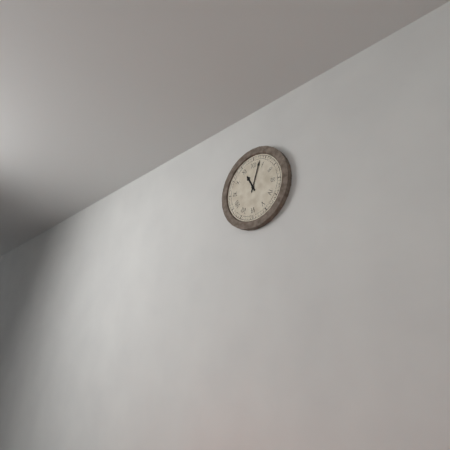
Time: **11:03**
